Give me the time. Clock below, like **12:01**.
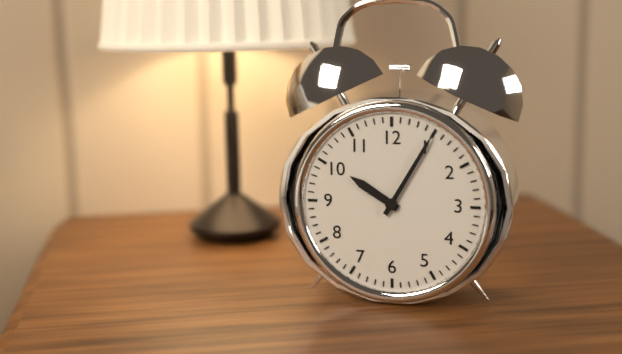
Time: **10:05**
